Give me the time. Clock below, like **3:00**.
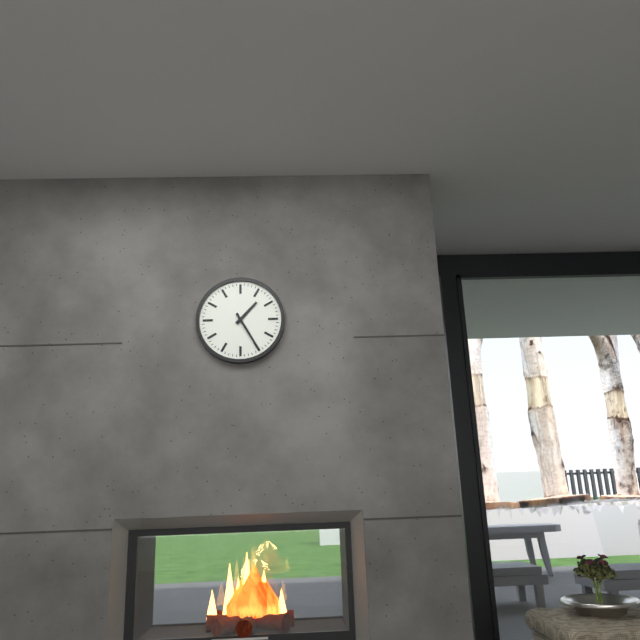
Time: **1:25**
